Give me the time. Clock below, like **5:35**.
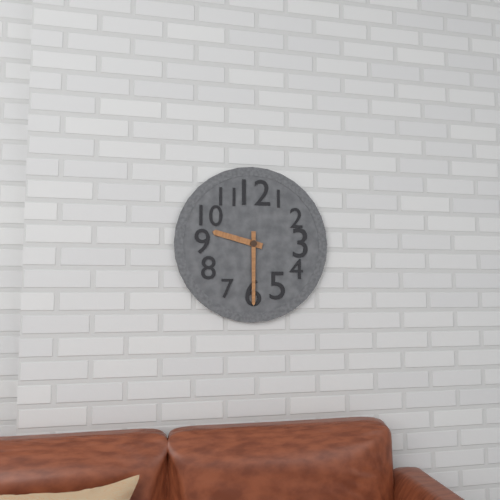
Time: **9:30**
